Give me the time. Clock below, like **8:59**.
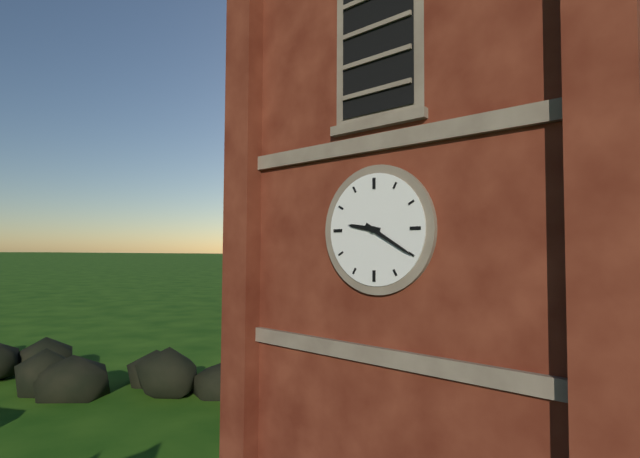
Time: **9:20**
